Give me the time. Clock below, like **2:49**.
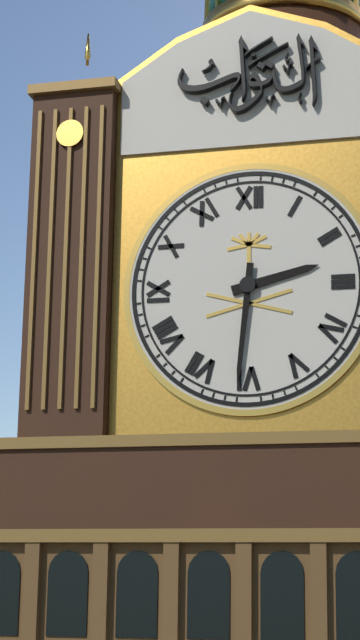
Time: **2:31**
